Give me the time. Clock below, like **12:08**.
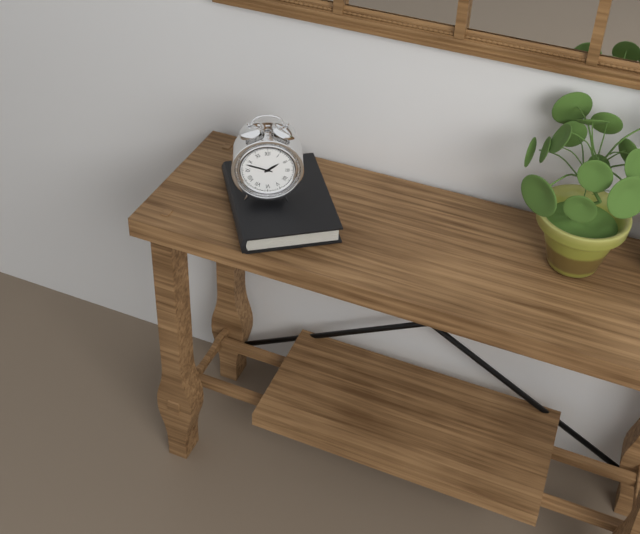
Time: **1:48**
